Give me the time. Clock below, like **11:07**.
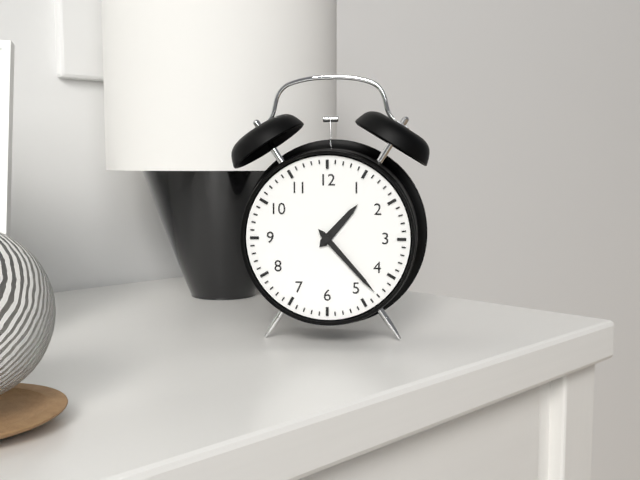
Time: **1:23**
